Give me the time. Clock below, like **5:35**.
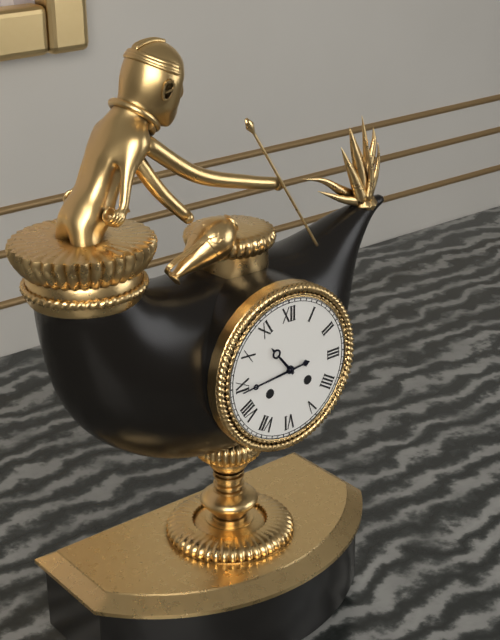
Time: **10:44**
